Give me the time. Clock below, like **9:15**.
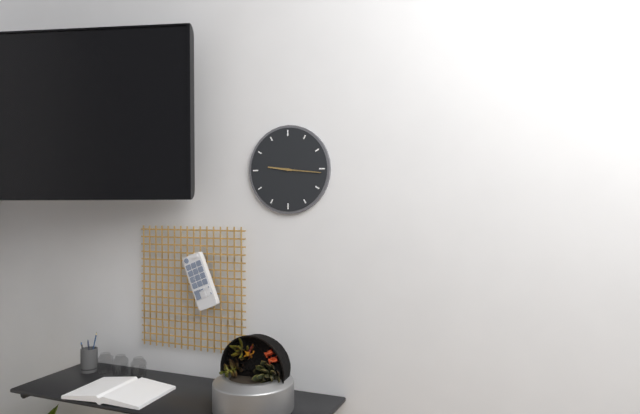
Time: **9:16**
